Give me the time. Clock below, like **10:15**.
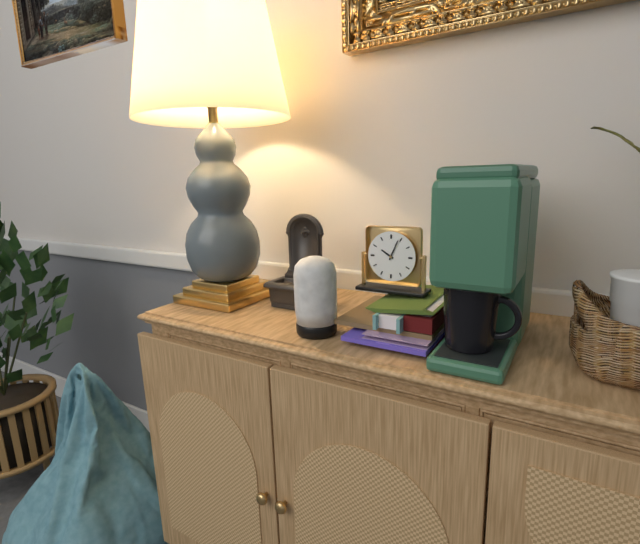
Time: **10:04**
